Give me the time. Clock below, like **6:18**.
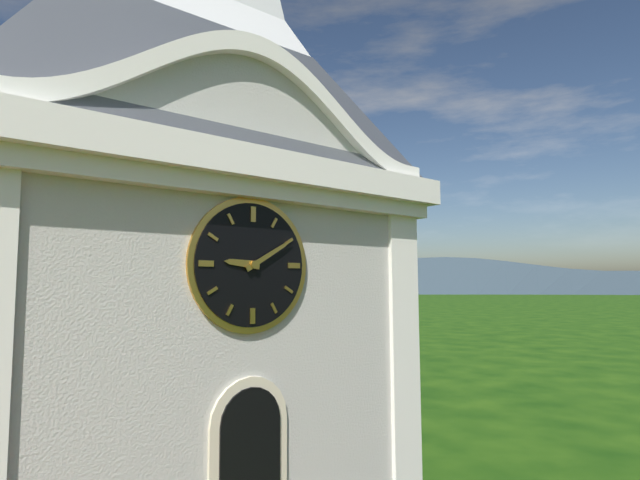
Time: **9:10**
